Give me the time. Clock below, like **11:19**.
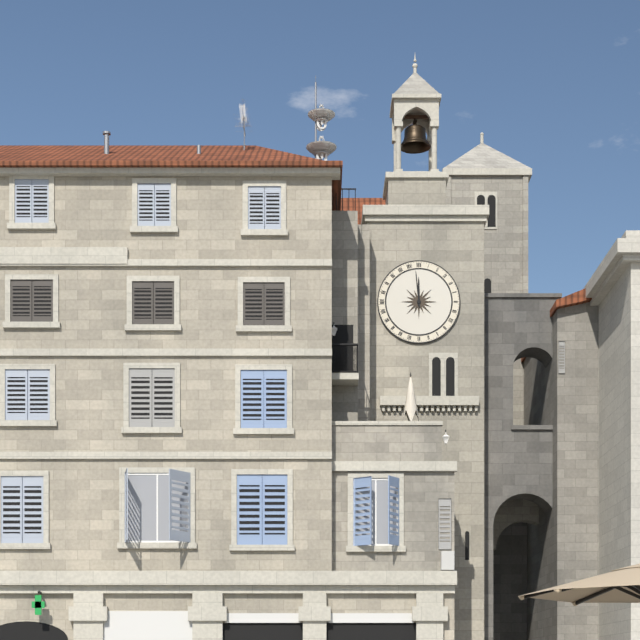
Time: **11:59**
